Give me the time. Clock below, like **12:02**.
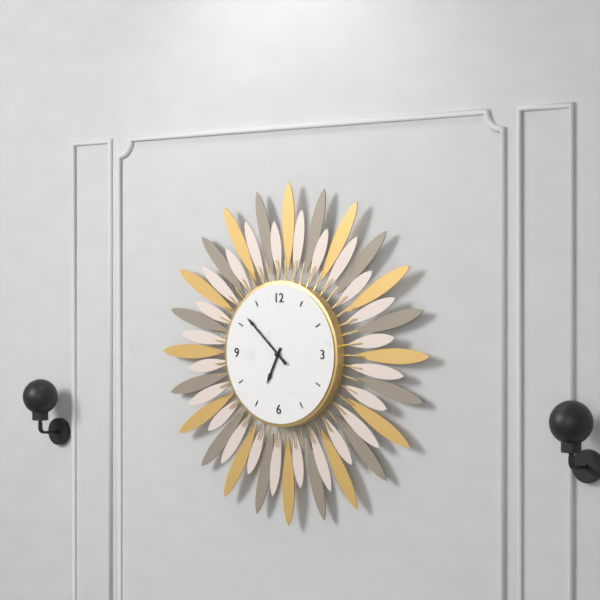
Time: **6:52**
